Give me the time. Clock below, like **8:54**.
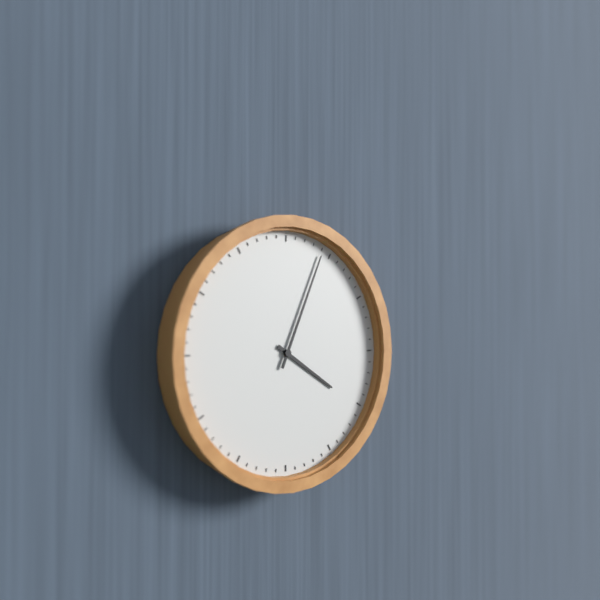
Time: **4:04**
